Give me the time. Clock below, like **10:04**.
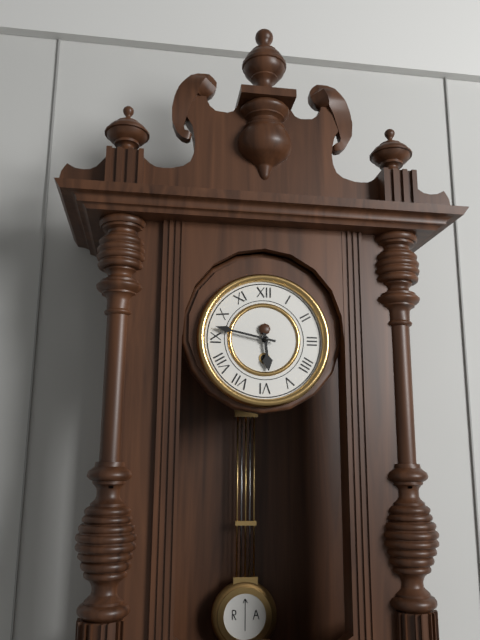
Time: **5:47**
